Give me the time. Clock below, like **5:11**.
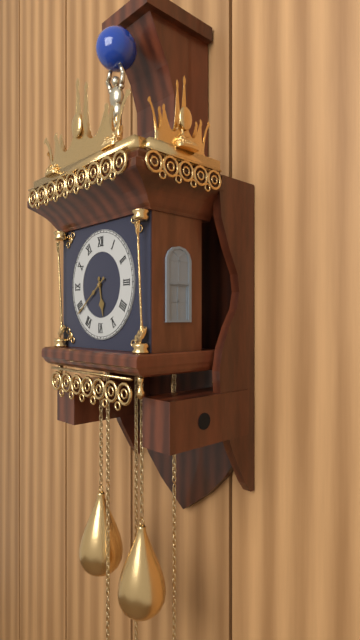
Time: **5:39**
